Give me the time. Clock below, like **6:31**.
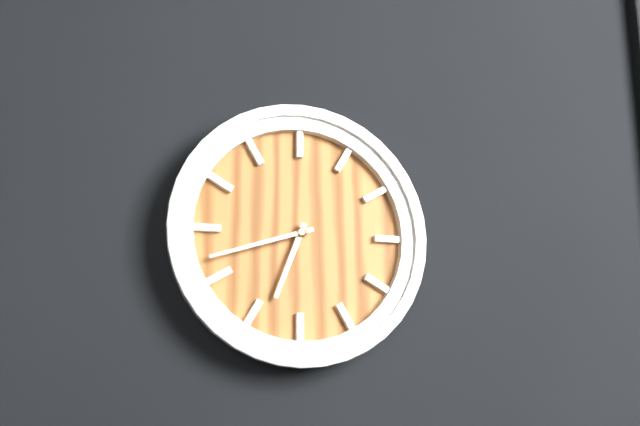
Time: **6:42**
